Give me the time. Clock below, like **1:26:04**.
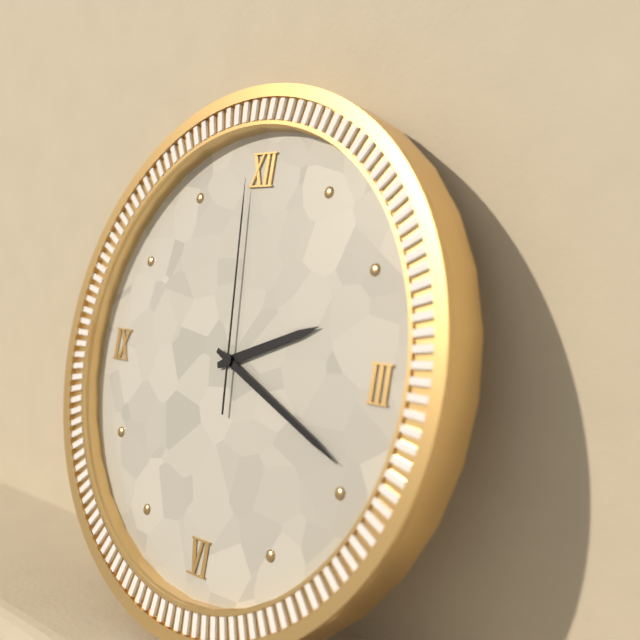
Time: **2:19:59**
